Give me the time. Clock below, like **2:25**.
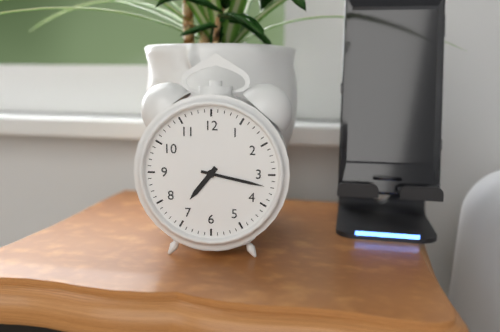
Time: **7:17**
